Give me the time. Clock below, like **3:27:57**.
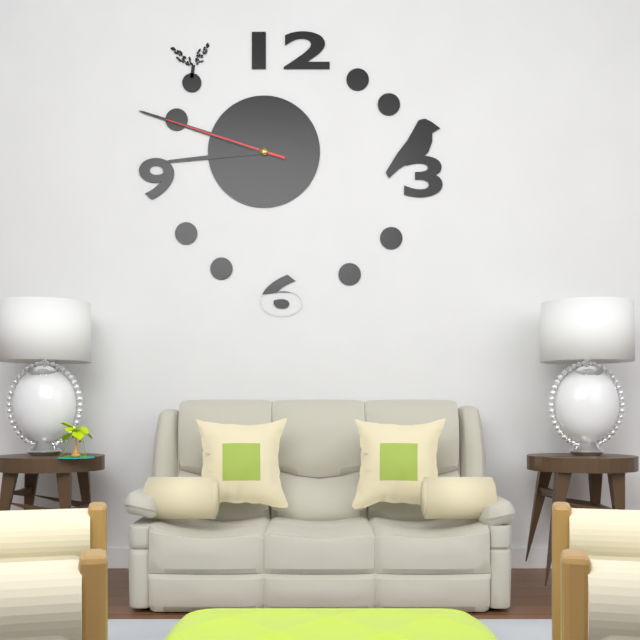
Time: **8:48:48**
